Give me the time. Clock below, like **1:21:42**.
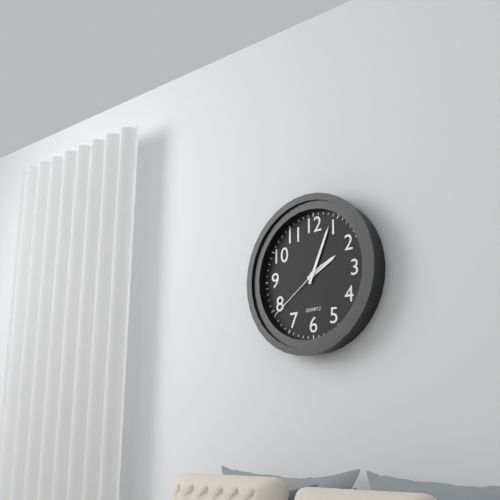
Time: **2:04:39**
